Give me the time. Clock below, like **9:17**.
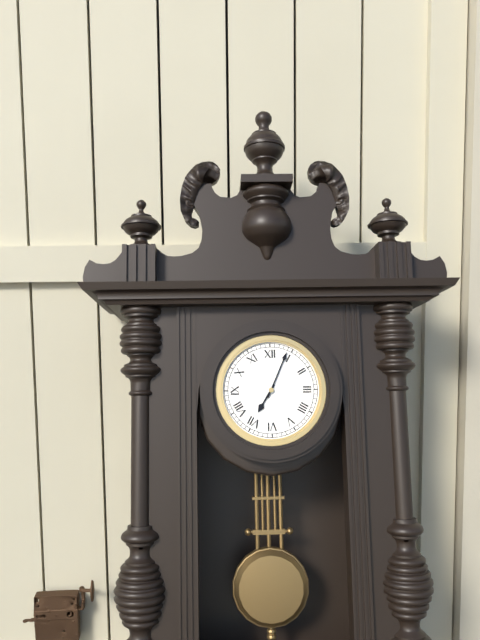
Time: **7:04**
